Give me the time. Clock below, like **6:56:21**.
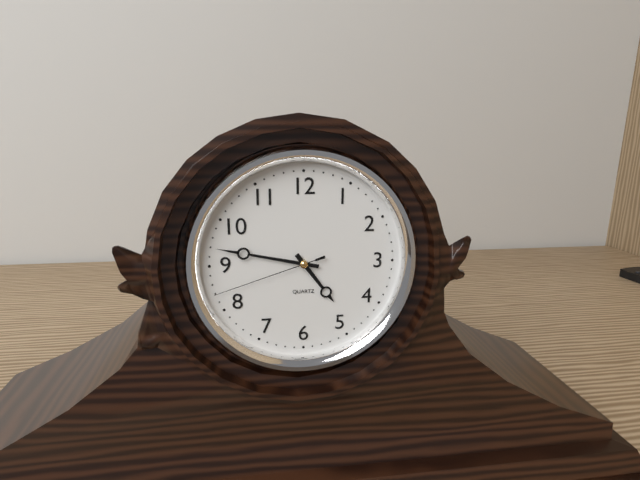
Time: **4:47:42**
